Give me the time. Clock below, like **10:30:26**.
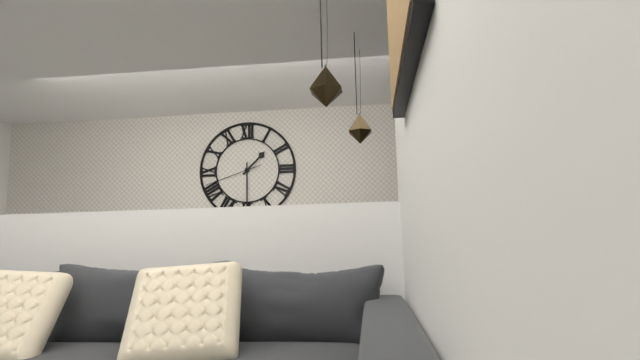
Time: **1:30:42**
